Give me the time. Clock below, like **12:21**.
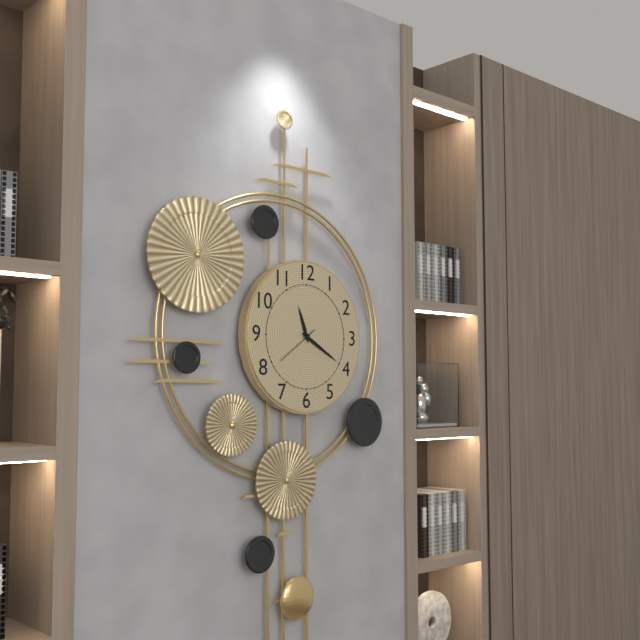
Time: **11:20**
